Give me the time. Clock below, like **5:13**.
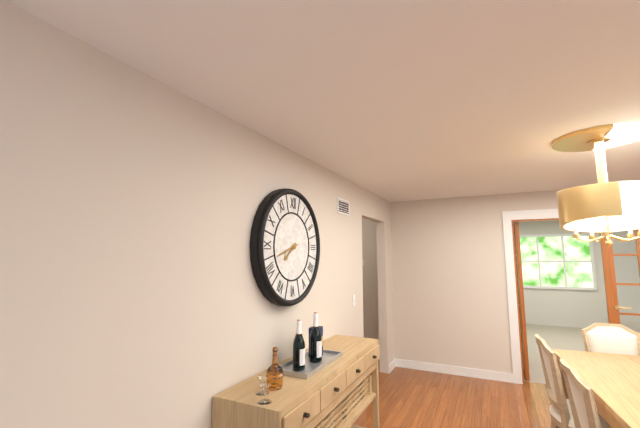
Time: **7:42**
